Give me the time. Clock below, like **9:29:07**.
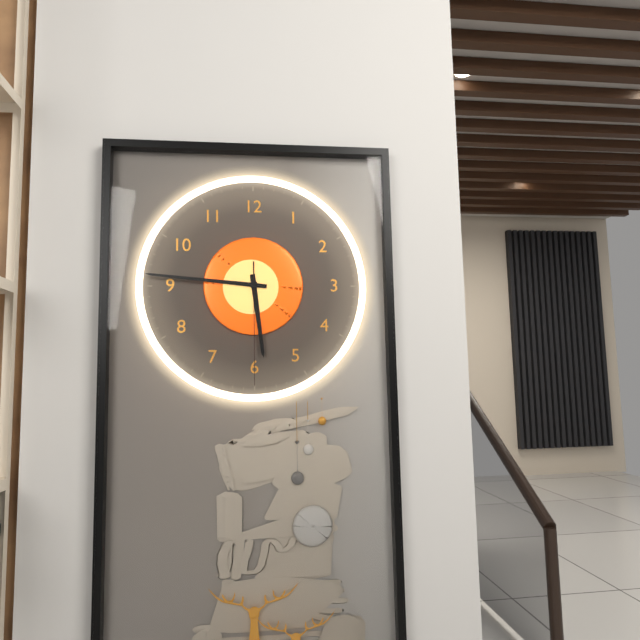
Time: **5:46:30**
